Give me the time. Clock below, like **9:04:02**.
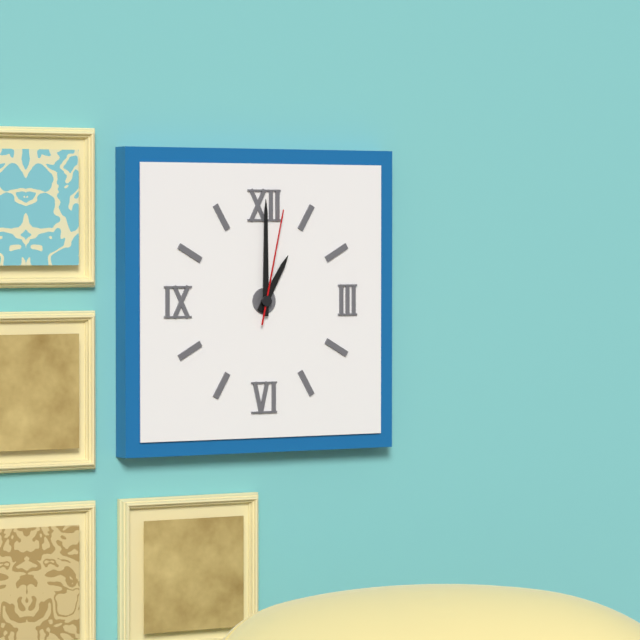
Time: **1:00:02**
